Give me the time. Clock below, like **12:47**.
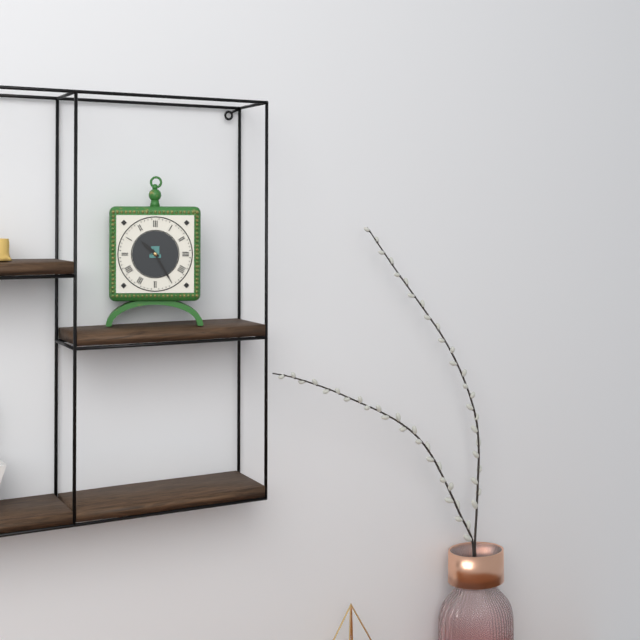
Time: **10:25**
